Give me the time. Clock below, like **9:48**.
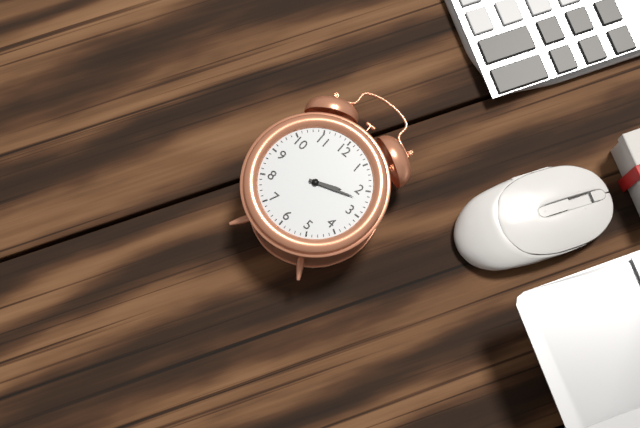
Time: **2:12**
